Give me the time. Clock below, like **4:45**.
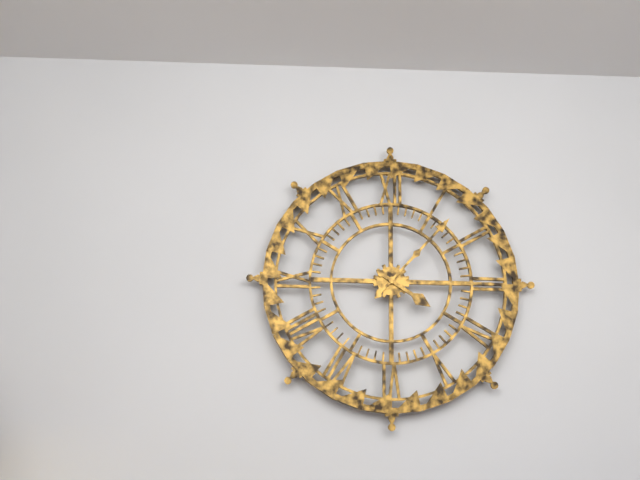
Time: **4:07**
